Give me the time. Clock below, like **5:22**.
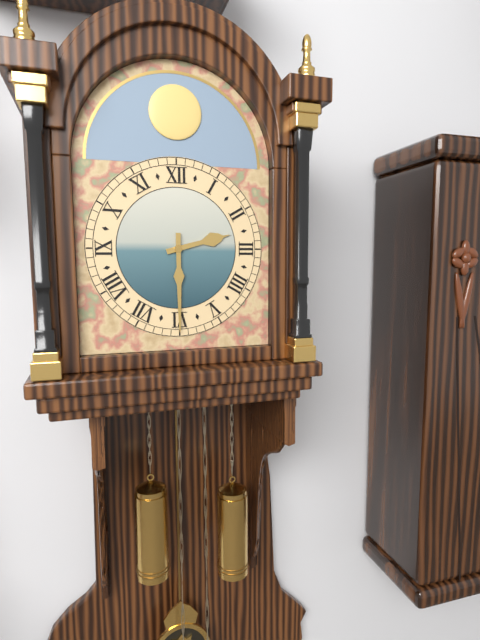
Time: **2:30**
